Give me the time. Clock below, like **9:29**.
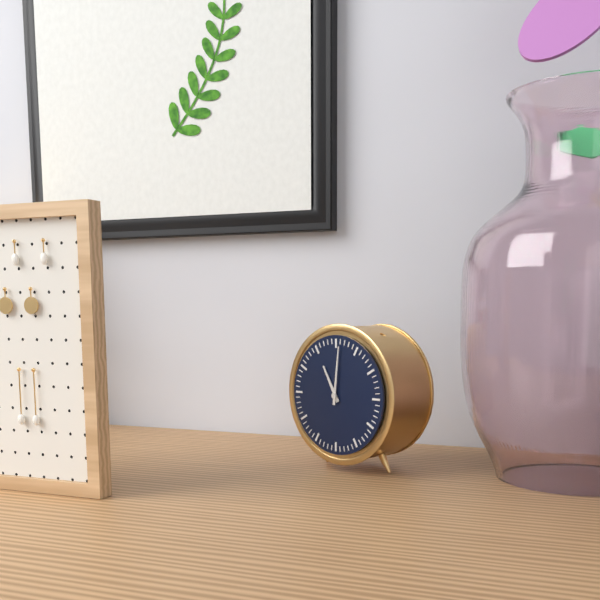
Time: **11:01**
